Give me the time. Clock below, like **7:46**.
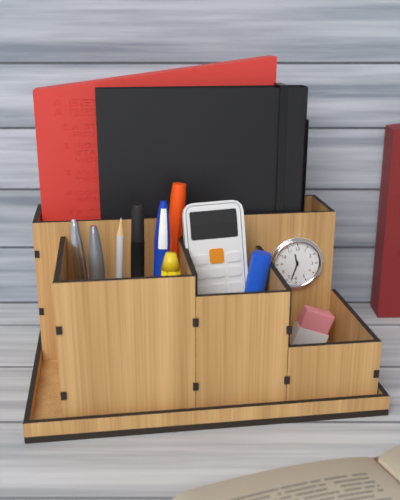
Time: **11:33**
